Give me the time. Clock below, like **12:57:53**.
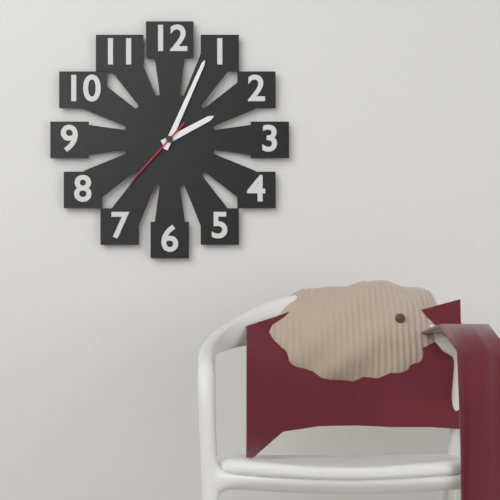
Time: **2:04:37**
